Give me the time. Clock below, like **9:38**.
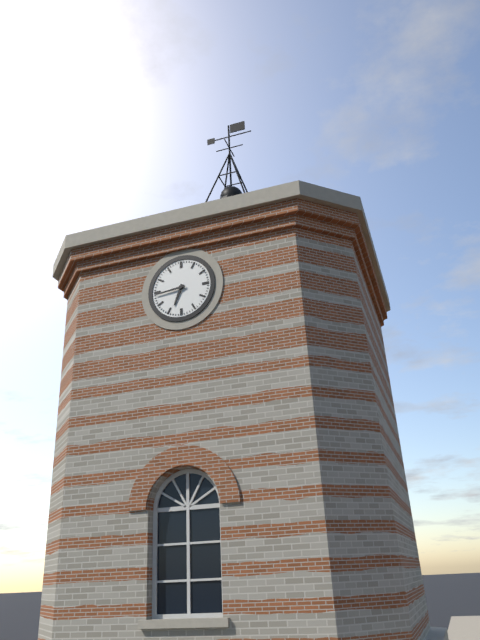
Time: **6:44**
